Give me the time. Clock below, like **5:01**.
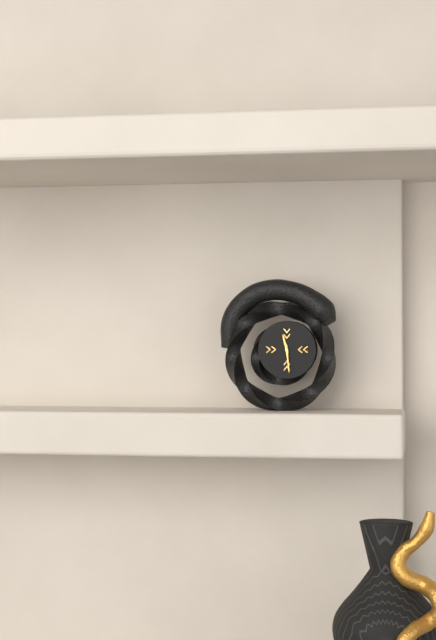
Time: **11:29**
